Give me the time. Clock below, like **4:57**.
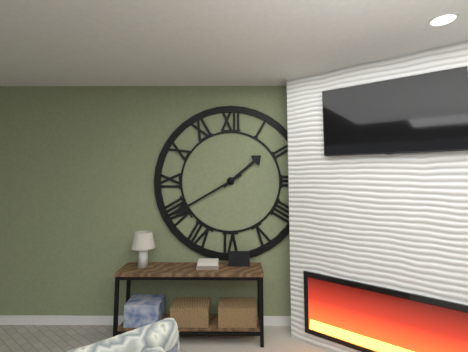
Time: **1:40**
